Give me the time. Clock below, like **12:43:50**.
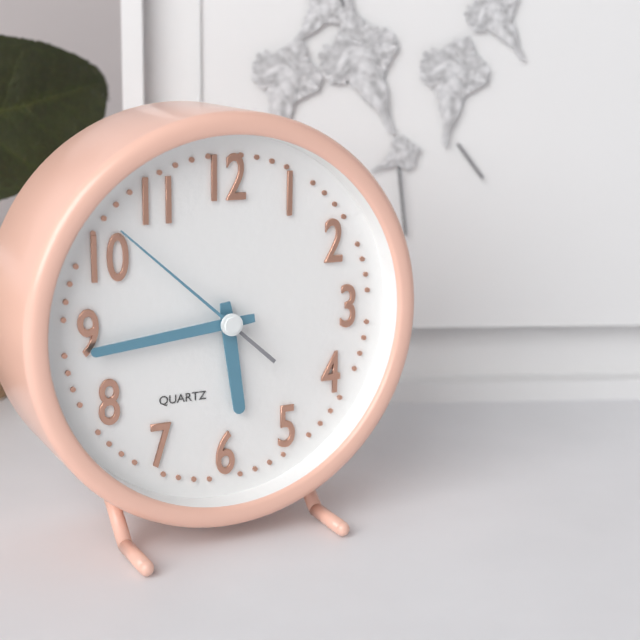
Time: **5:44:52**
